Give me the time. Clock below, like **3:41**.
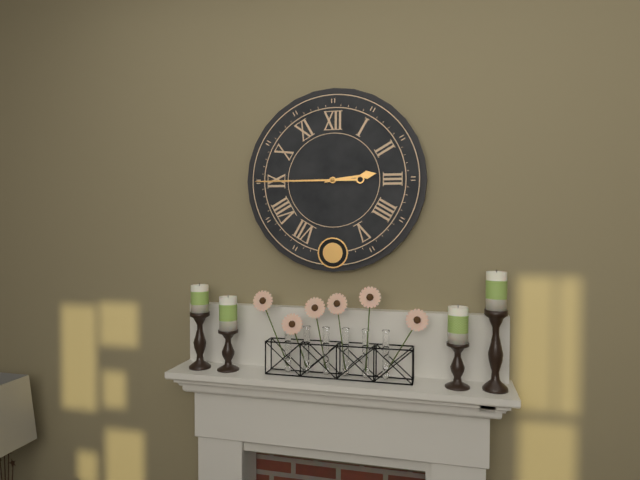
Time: **2:45**
